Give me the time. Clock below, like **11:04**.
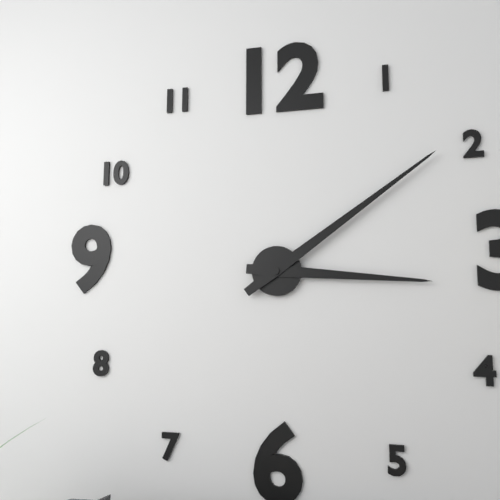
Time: **3:09**
